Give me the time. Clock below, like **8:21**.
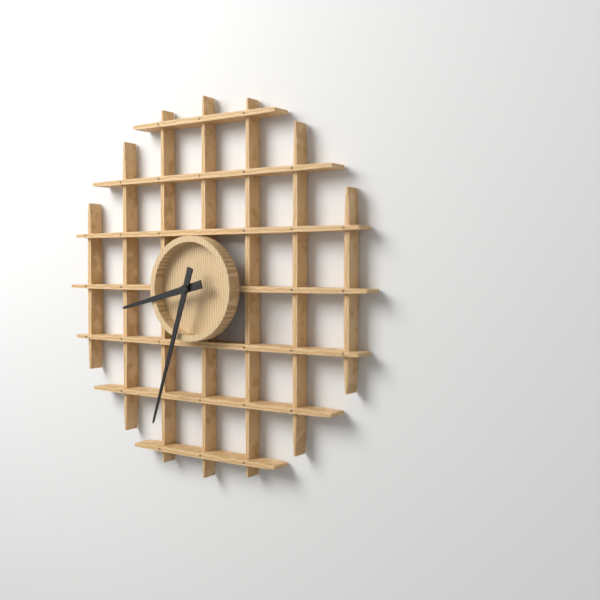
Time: **8:33**
